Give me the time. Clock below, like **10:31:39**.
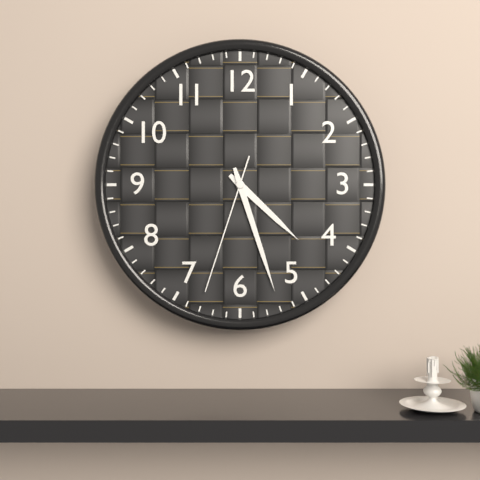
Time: **4:27:33**
